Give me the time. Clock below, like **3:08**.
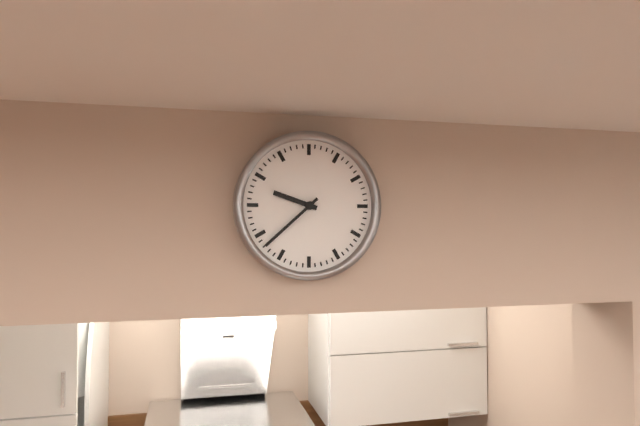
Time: **9:38**
